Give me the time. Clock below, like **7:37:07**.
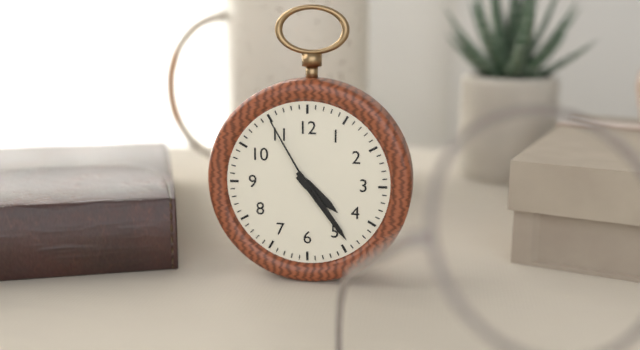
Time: **4:24:55**
